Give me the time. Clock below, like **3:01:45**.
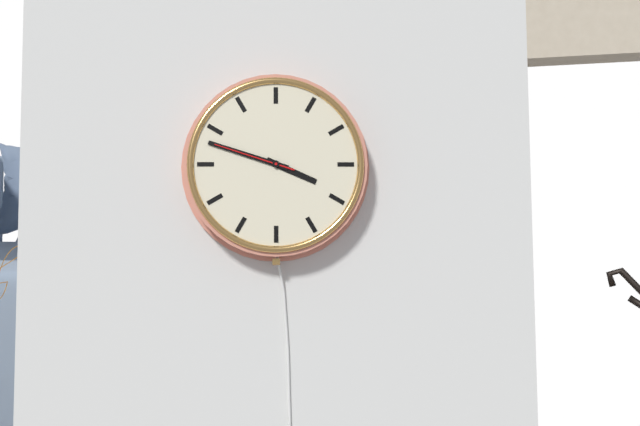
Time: **3:48:48**
